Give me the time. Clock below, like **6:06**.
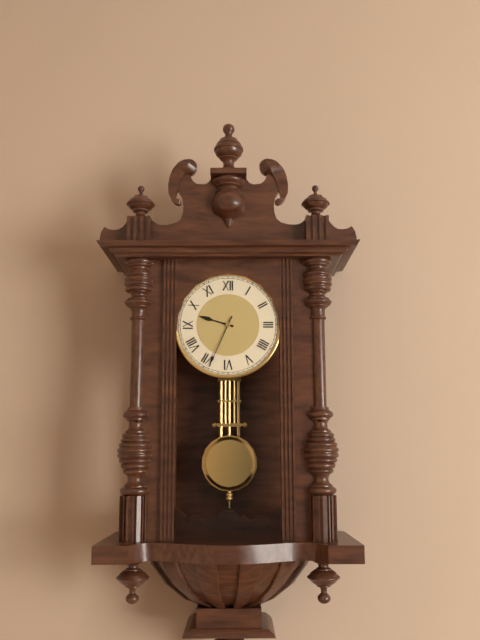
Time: **9:34**
